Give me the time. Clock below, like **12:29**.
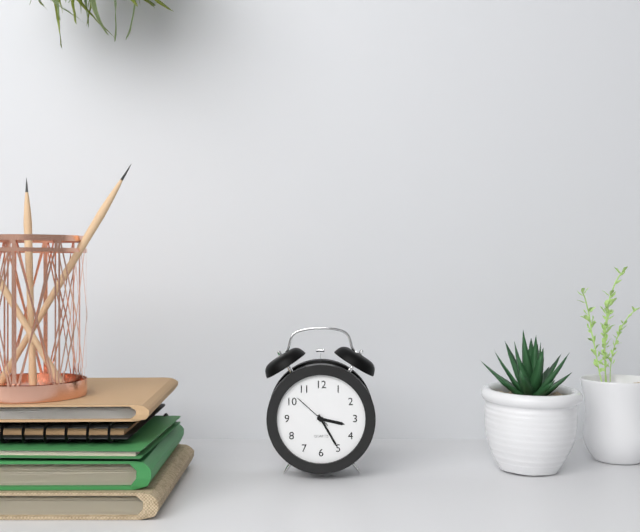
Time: **3:25**
